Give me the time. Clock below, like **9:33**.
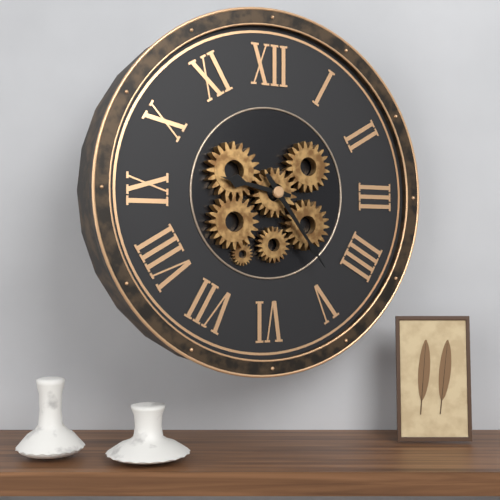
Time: **9:24**
